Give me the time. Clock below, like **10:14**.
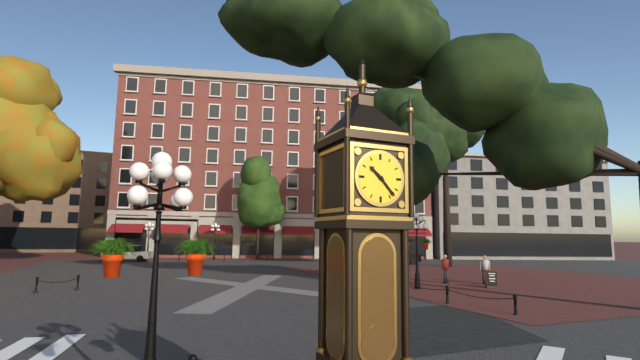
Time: **10:23**
